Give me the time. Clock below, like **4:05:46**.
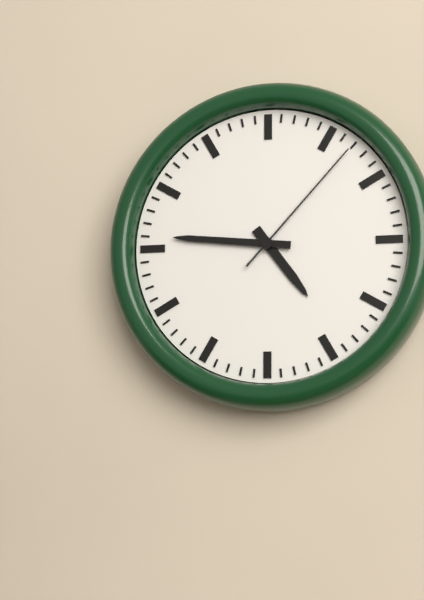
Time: **4:46:07**
